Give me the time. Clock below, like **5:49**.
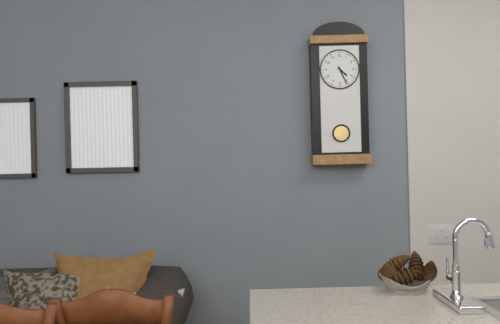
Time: **4:26**
